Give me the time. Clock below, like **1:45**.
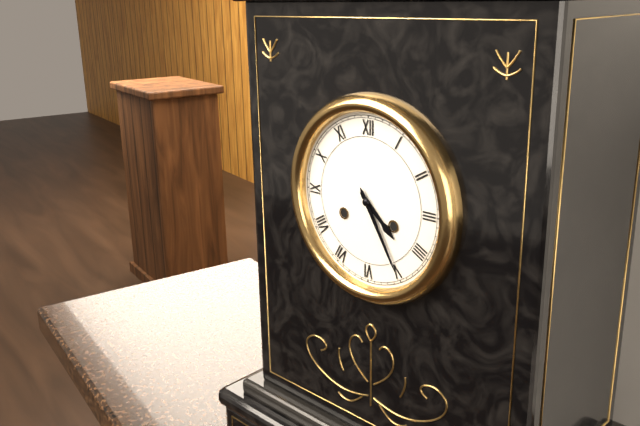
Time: **4:25**
